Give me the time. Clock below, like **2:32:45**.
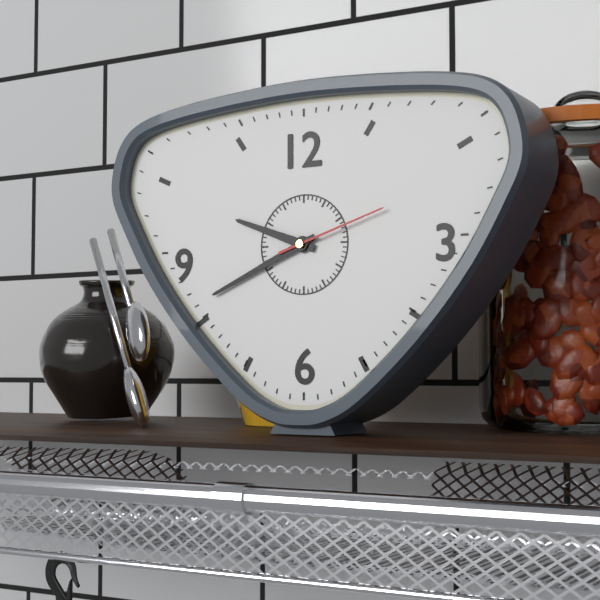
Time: **9:41:12**
